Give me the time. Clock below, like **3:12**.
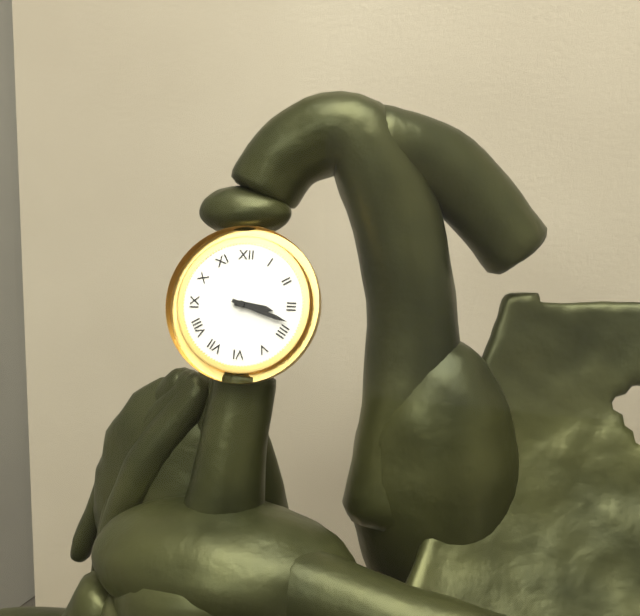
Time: **3:18**
